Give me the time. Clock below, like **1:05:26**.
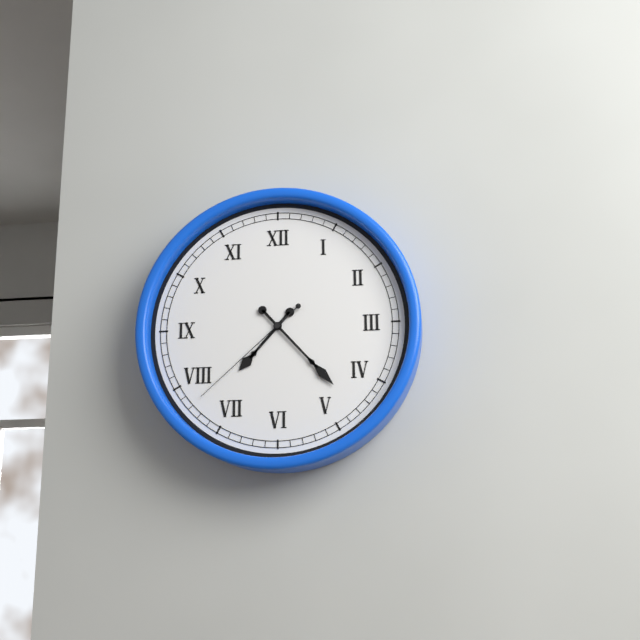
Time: **7:23:38**
